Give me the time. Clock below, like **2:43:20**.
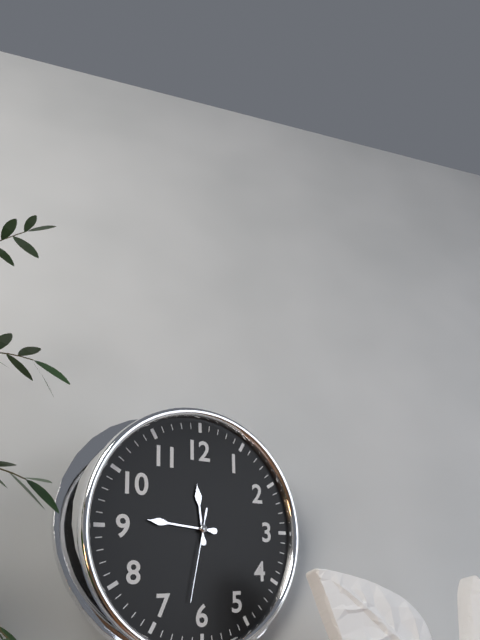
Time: **11:46:32**
